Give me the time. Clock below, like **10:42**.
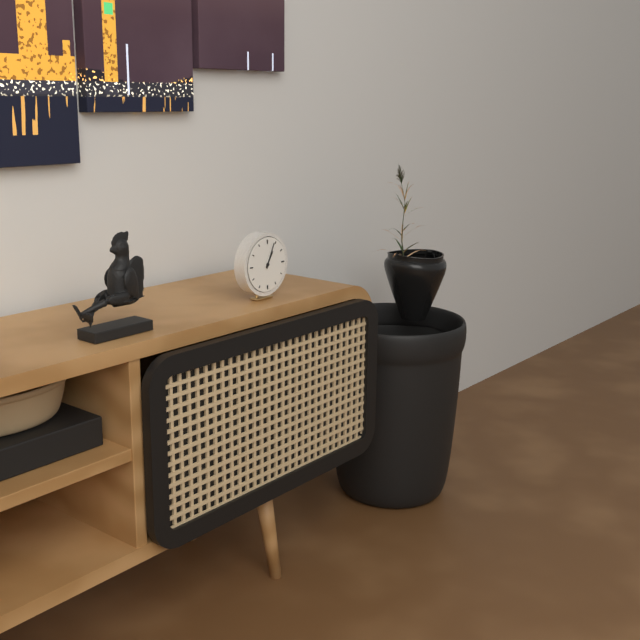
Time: **1:04**
